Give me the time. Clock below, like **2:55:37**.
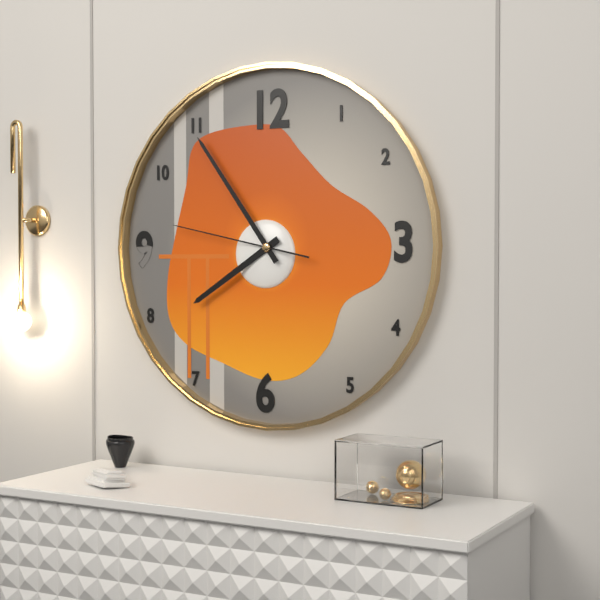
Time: **7:54:47**
